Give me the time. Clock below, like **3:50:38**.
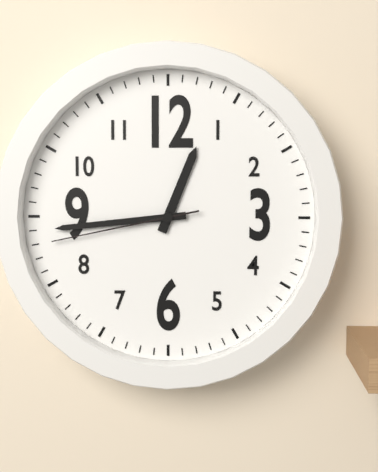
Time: **12:44:43**
